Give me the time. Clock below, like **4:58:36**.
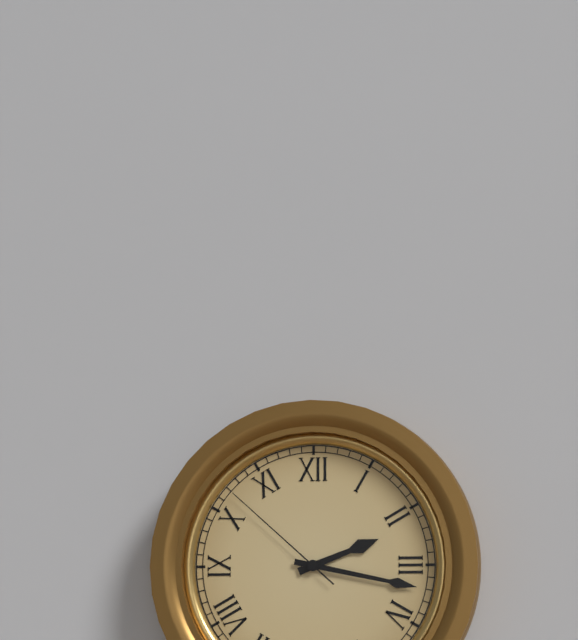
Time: **2:17:52**
